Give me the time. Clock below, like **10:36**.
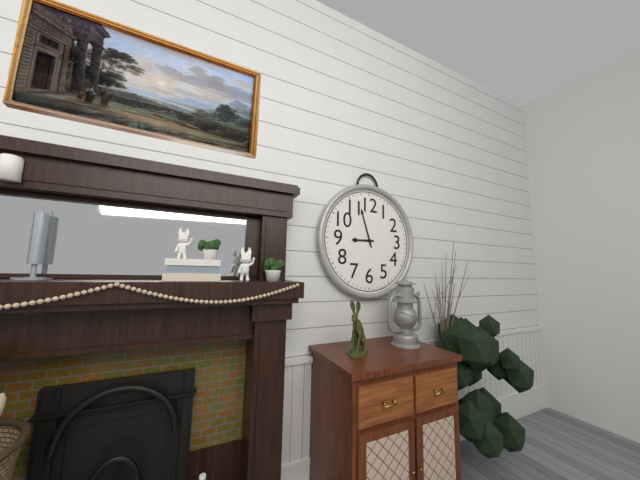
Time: **8:57**
